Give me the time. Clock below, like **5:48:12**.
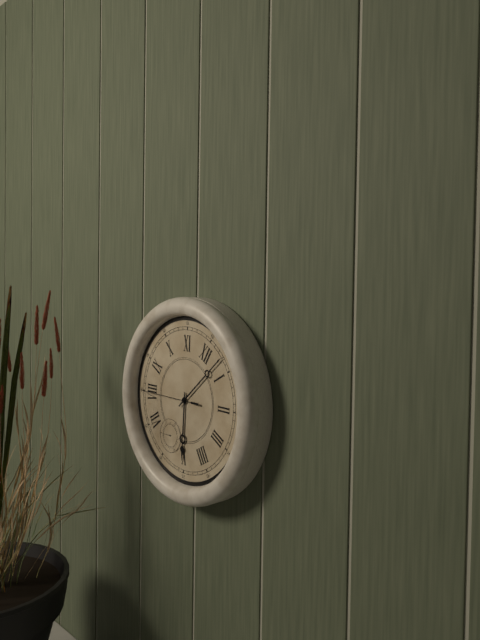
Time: **5:03:40**
